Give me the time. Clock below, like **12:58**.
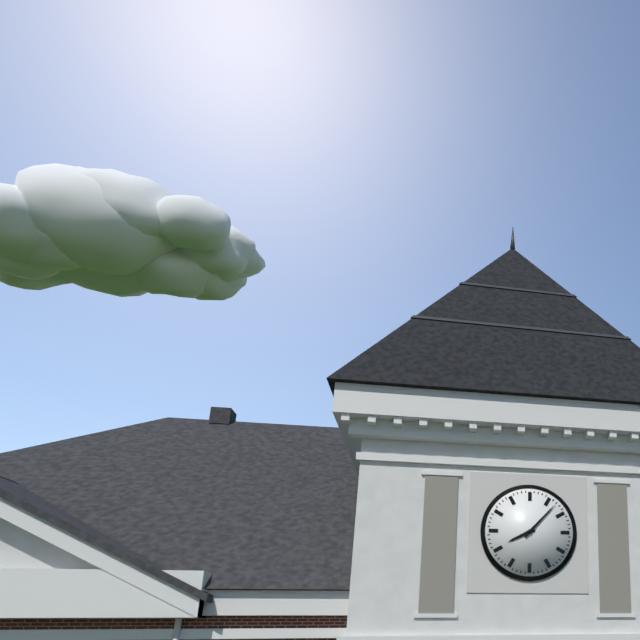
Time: **8:07**
